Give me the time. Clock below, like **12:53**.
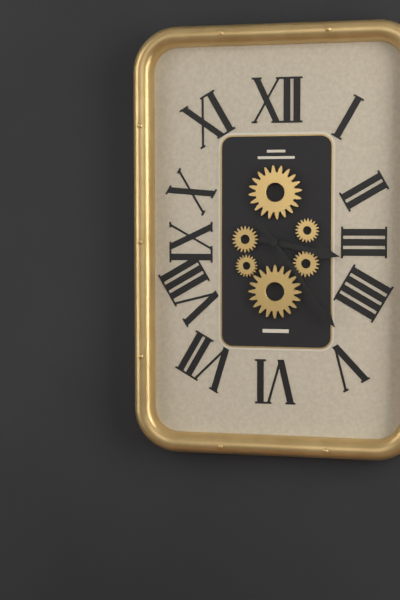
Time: **3:24**
